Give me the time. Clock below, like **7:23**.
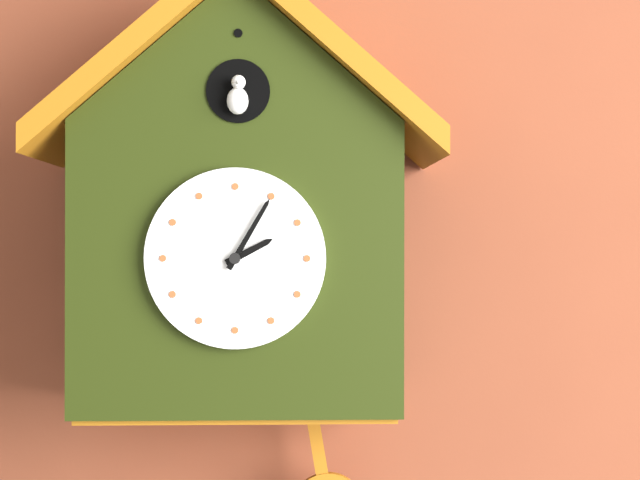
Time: **2:05**
